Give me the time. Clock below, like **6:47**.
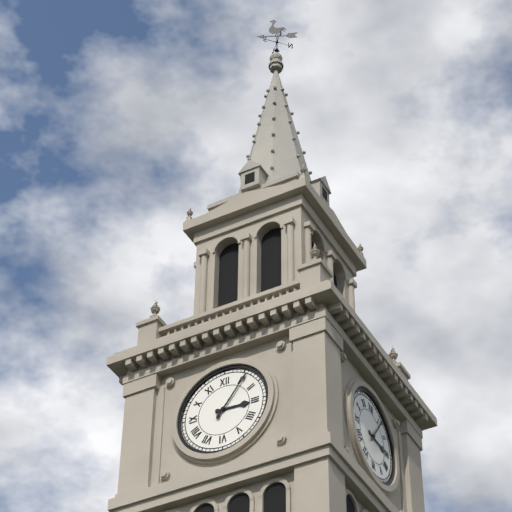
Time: **3:06**
